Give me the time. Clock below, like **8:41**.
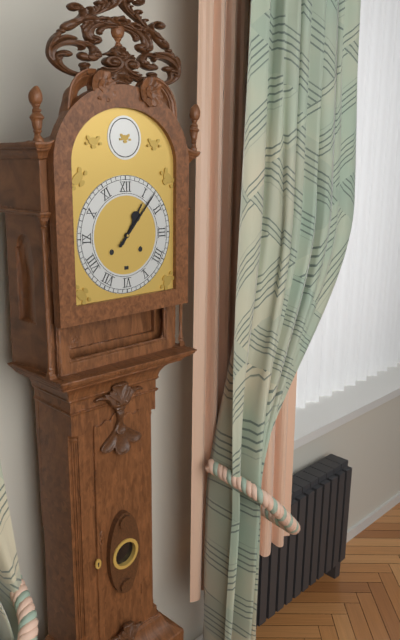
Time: **1:07**
